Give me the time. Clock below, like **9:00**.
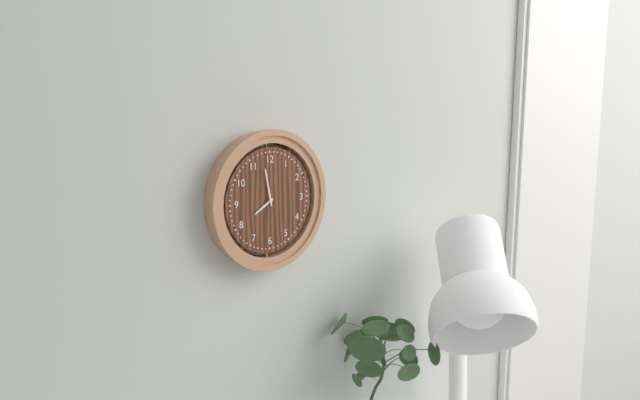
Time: **7:58**
